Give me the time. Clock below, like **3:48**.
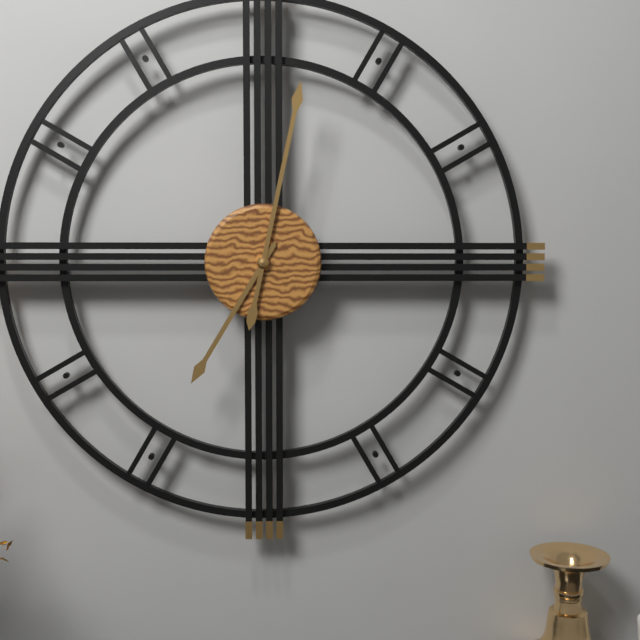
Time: **7:02**
